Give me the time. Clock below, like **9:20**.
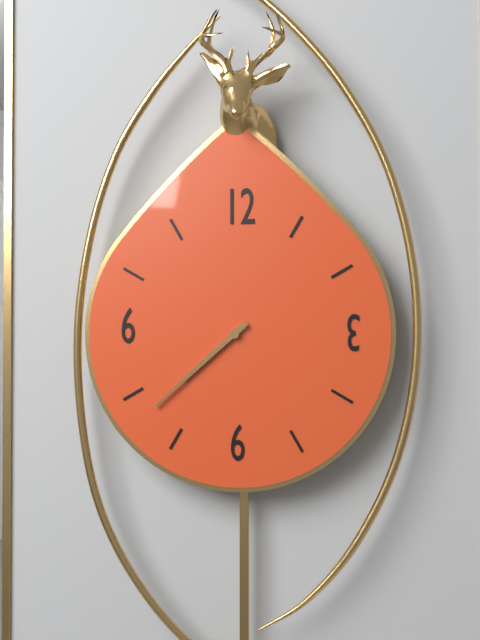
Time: **7:38**
